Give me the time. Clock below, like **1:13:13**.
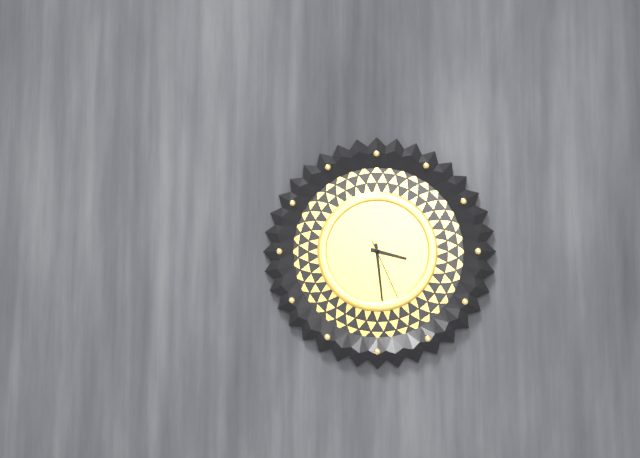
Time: **3:29:26**
